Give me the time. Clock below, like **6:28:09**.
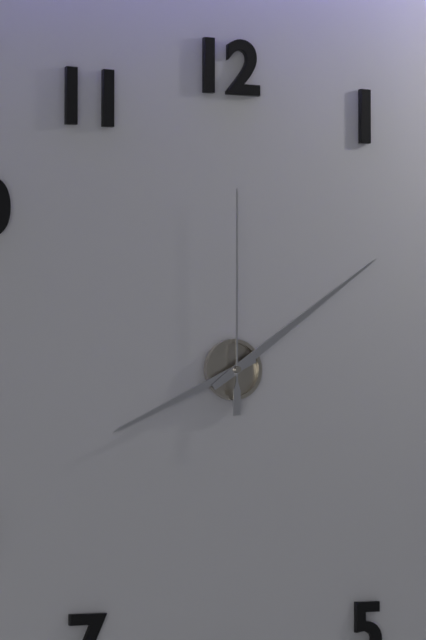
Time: **8:09:00**
